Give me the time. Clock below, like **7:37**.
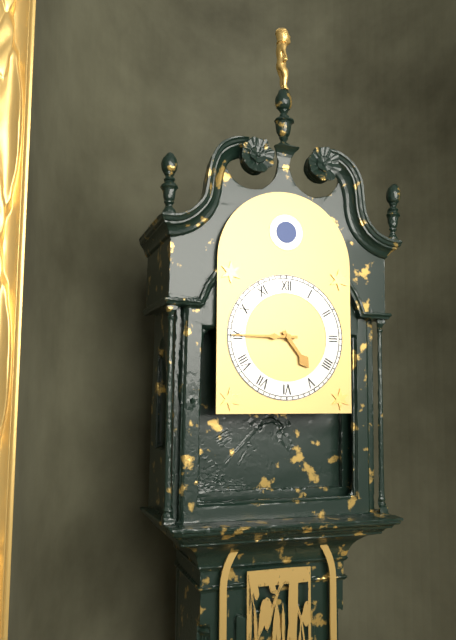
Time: **4:45**
